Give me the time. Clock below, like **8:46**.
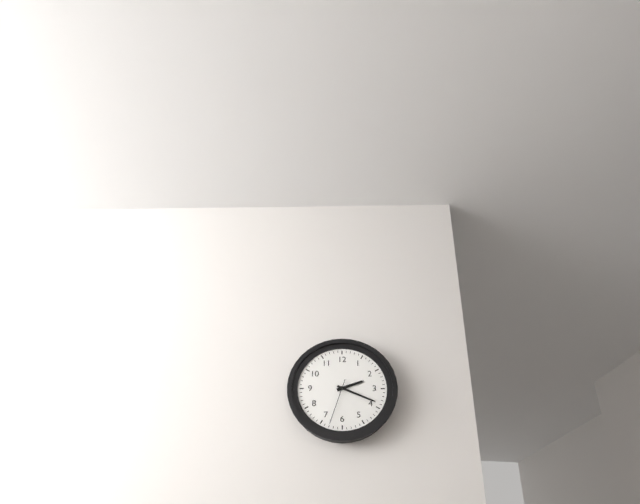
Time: **2:19**
